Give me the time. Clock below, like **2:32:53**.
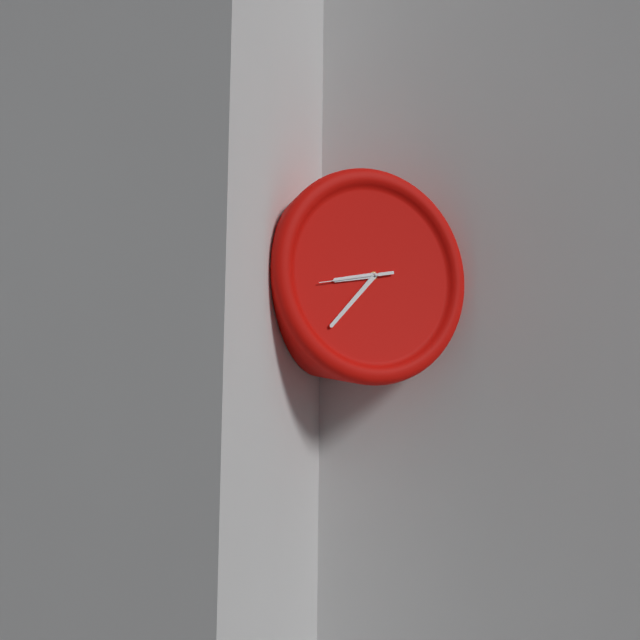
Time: **8:37:43**
